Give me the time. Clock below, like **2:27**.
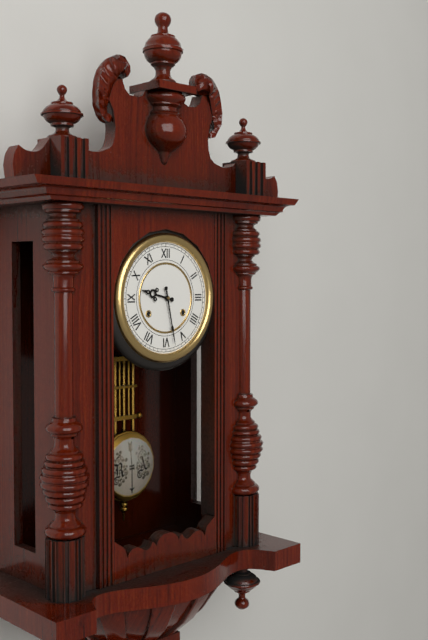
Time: **9:28**
